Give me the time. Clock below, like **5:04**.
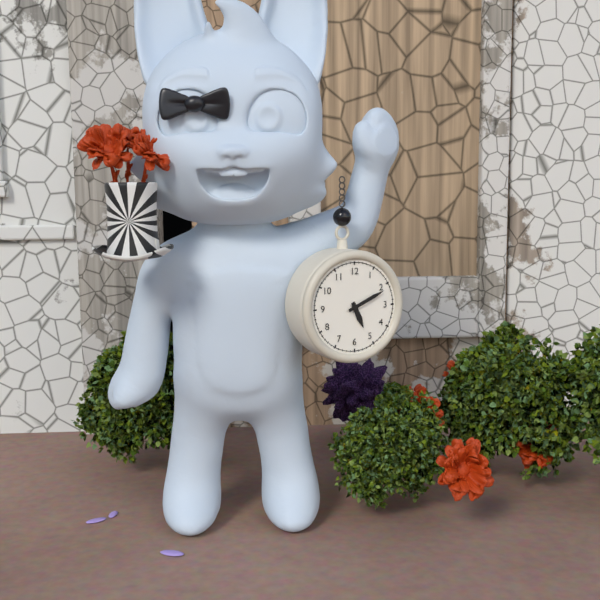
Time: **5:11**
